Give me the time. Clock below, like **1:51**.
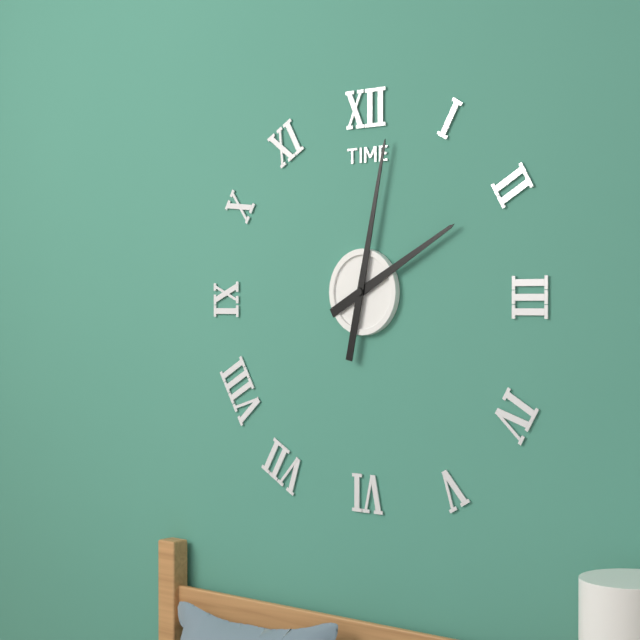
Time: **2:02**
